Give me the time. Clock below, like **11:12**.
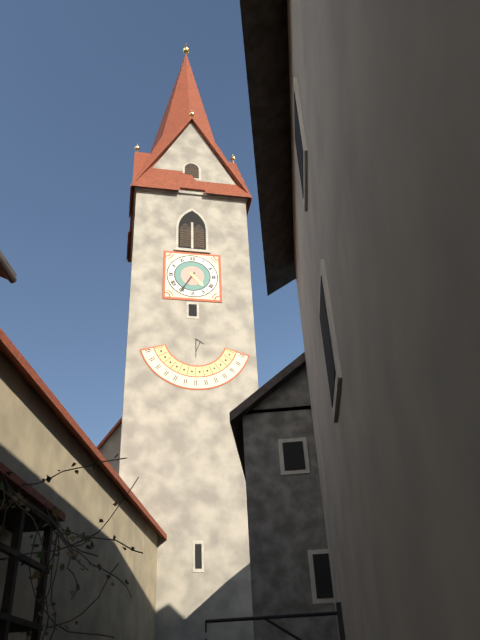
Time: **4:35**
